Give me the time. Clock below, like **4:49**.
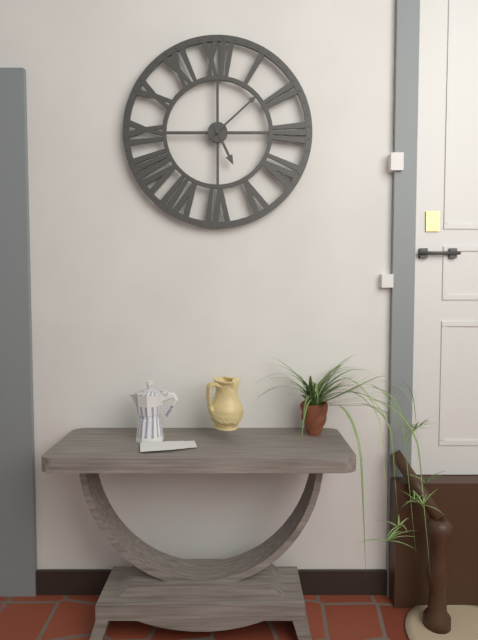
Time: **5:08**
